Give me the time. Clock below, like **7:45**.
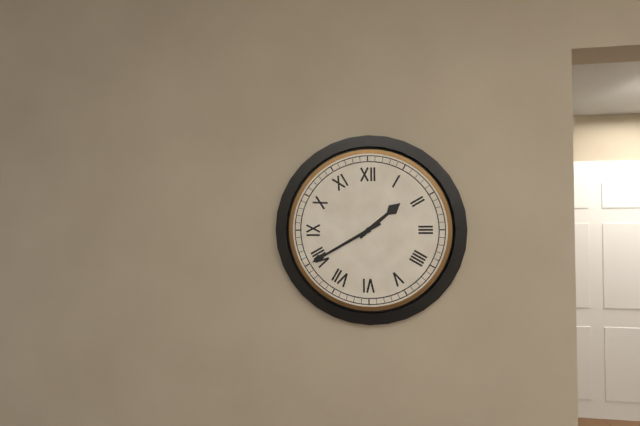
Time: **1:40**
